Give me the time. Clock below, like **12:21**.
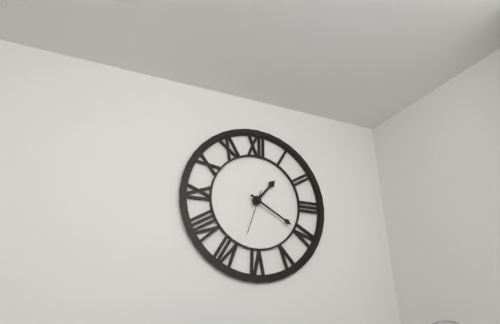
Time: **1:20**
